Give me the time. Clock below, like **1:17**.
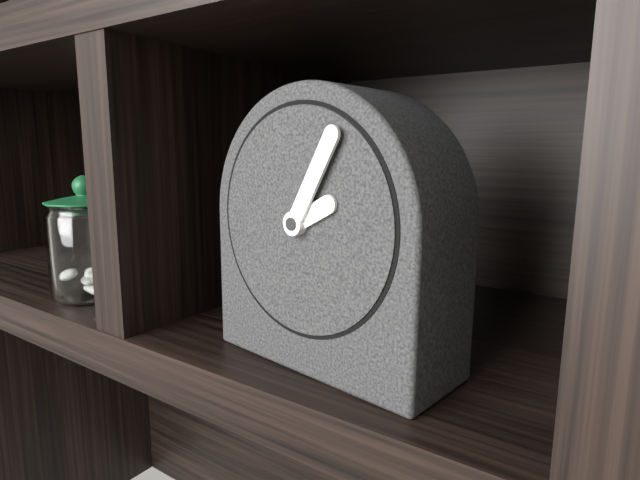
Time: **2:05**
